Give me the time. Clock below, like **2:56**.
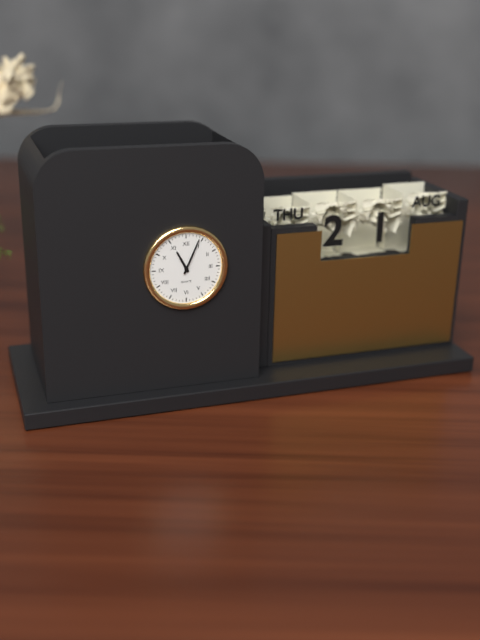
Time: **11:04**
